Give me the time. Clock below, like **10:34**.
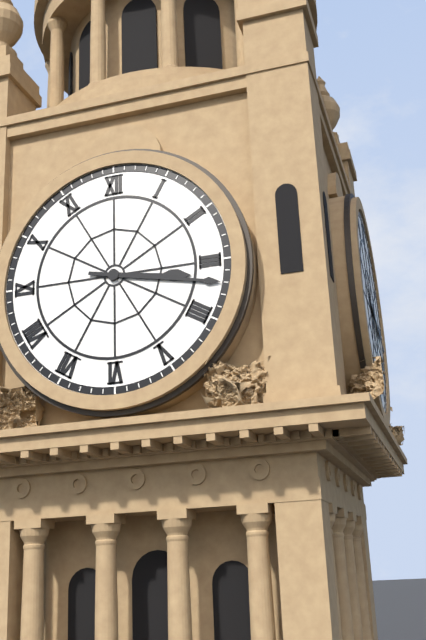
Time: **3:17**
